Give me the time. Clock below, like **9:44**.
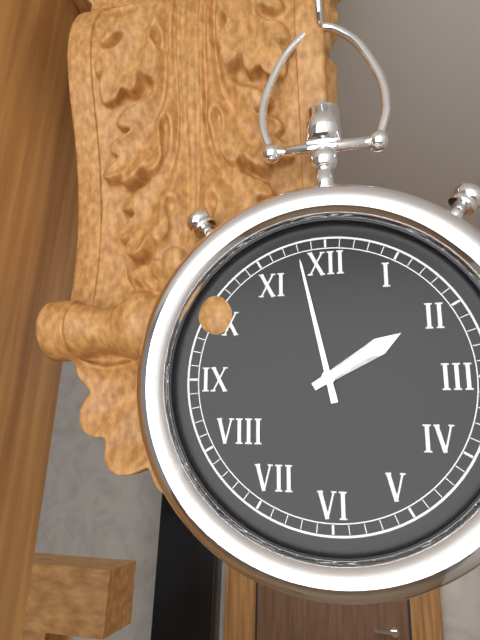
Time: **1:58**
